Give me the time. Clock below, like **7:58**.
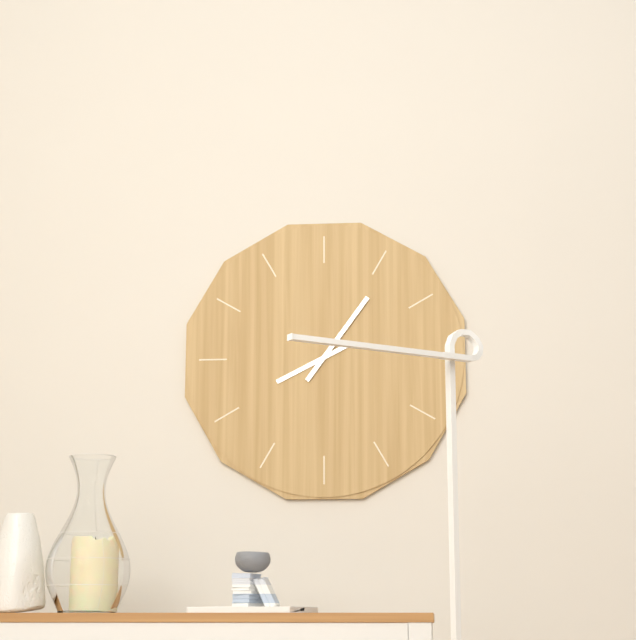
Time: **8:06**
